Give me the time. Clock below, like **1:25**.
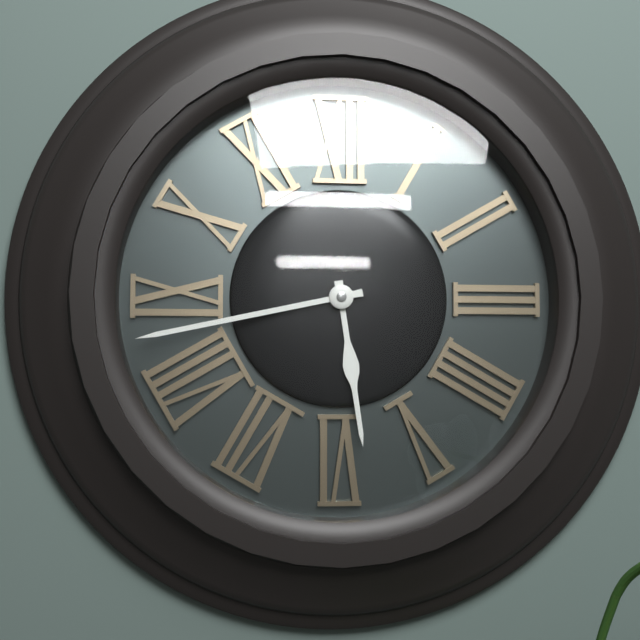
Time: **5:43**
